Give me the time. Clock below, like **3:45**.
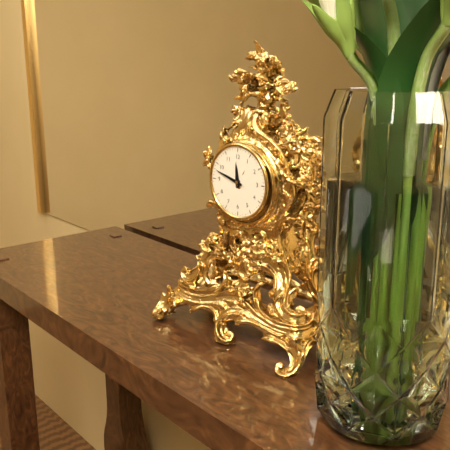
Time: **11:48**
